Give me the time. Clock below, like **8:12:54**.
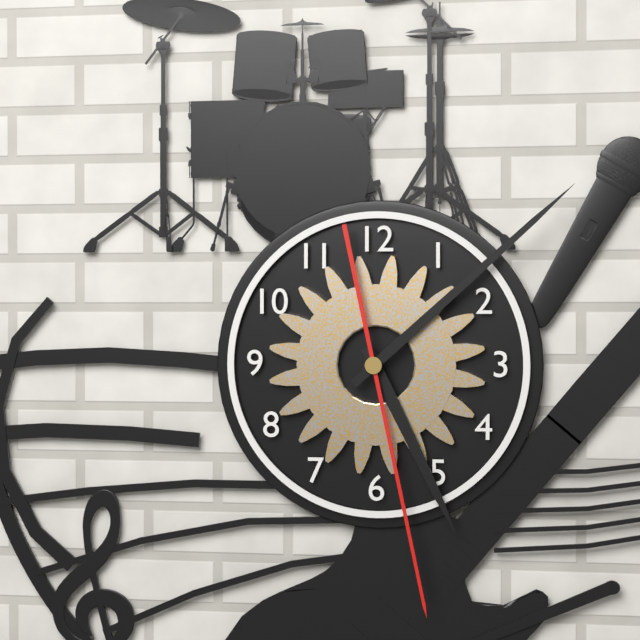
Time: **5:08:28**
